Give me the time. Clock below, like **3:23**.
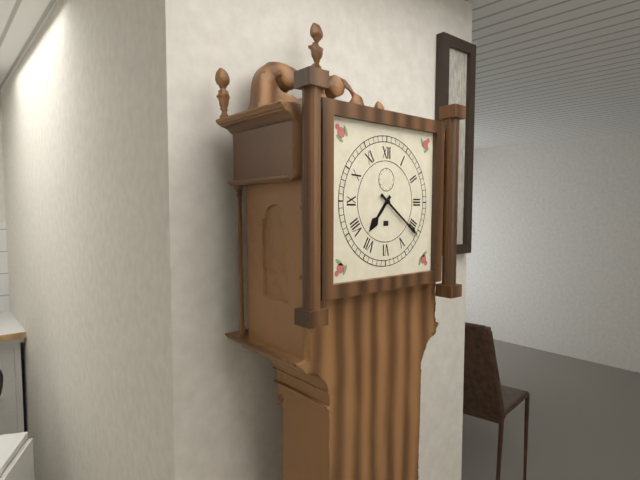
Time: **7:21**
